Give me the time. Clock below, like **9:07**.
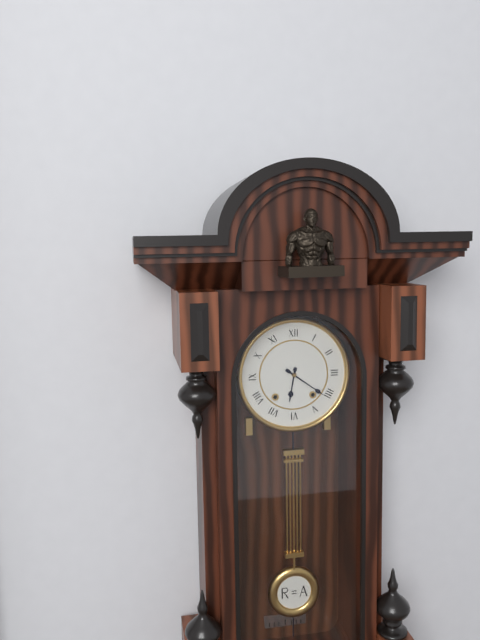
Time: **6:21**
